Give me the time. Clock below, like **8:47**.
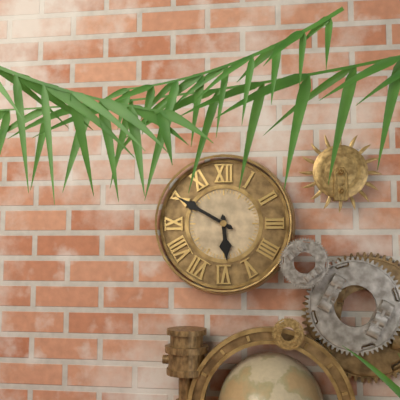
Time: **5:50**
